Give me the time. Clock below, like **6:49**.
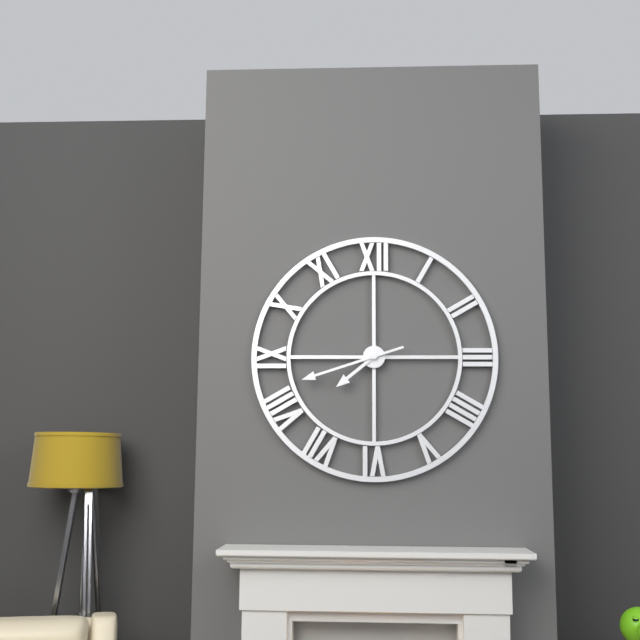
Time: **7:42**
